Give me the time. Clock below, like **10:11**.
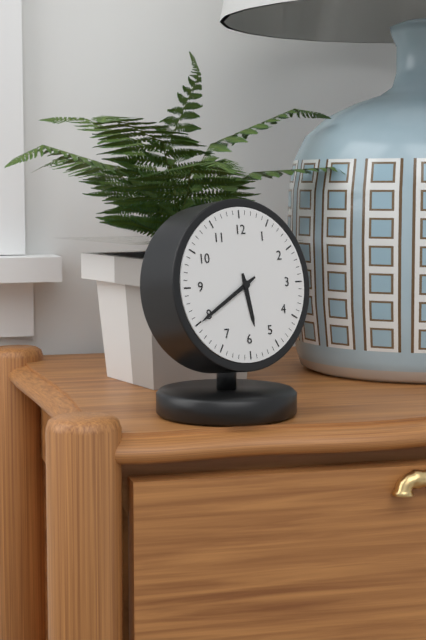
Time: **5:40**
